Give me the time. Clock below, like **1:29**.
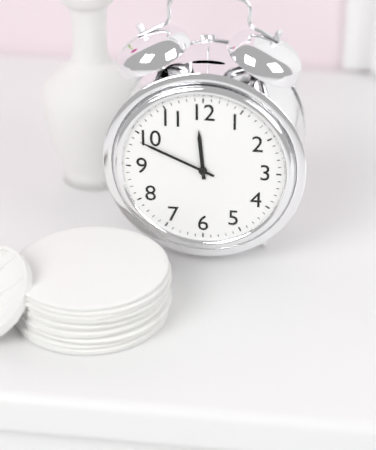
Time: **11:49**
